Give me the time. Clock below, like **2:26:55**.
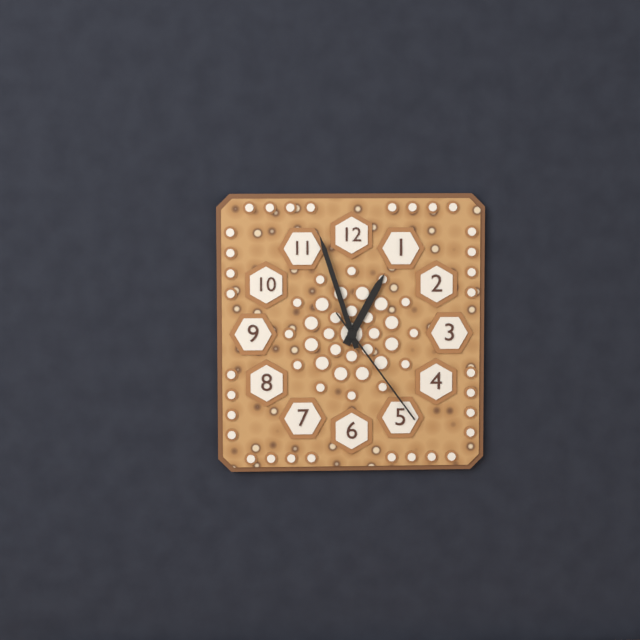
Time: **12:57:24**
